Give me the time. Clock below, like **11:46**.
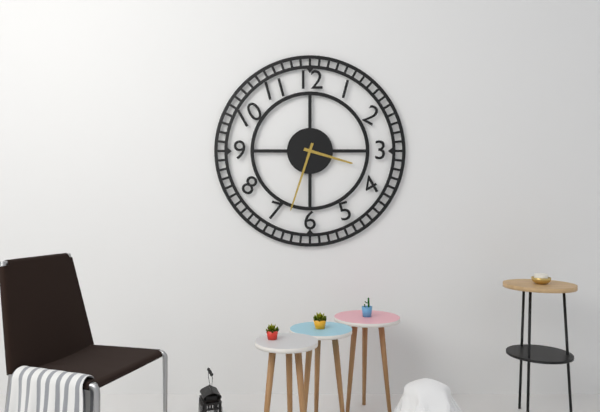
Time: **3:33**
